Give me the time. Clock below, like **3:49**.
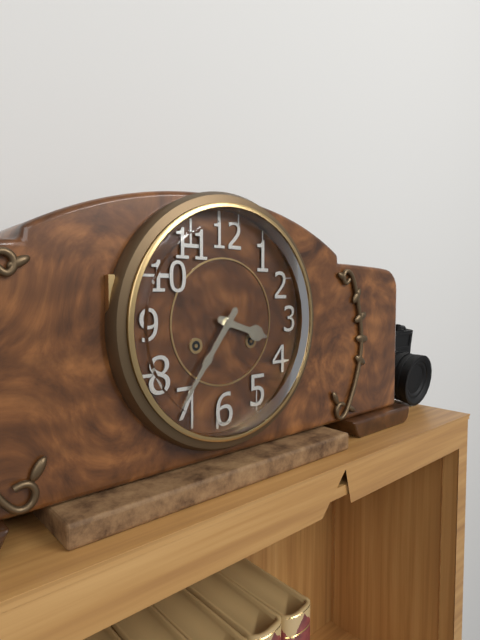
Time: **3:36**
